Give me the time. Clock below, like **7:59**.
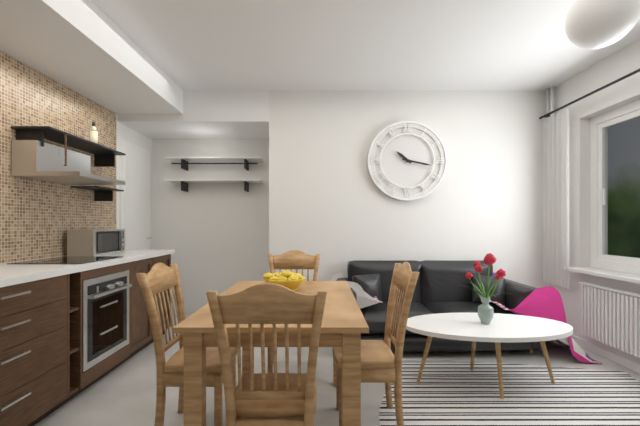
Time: **10:17**
